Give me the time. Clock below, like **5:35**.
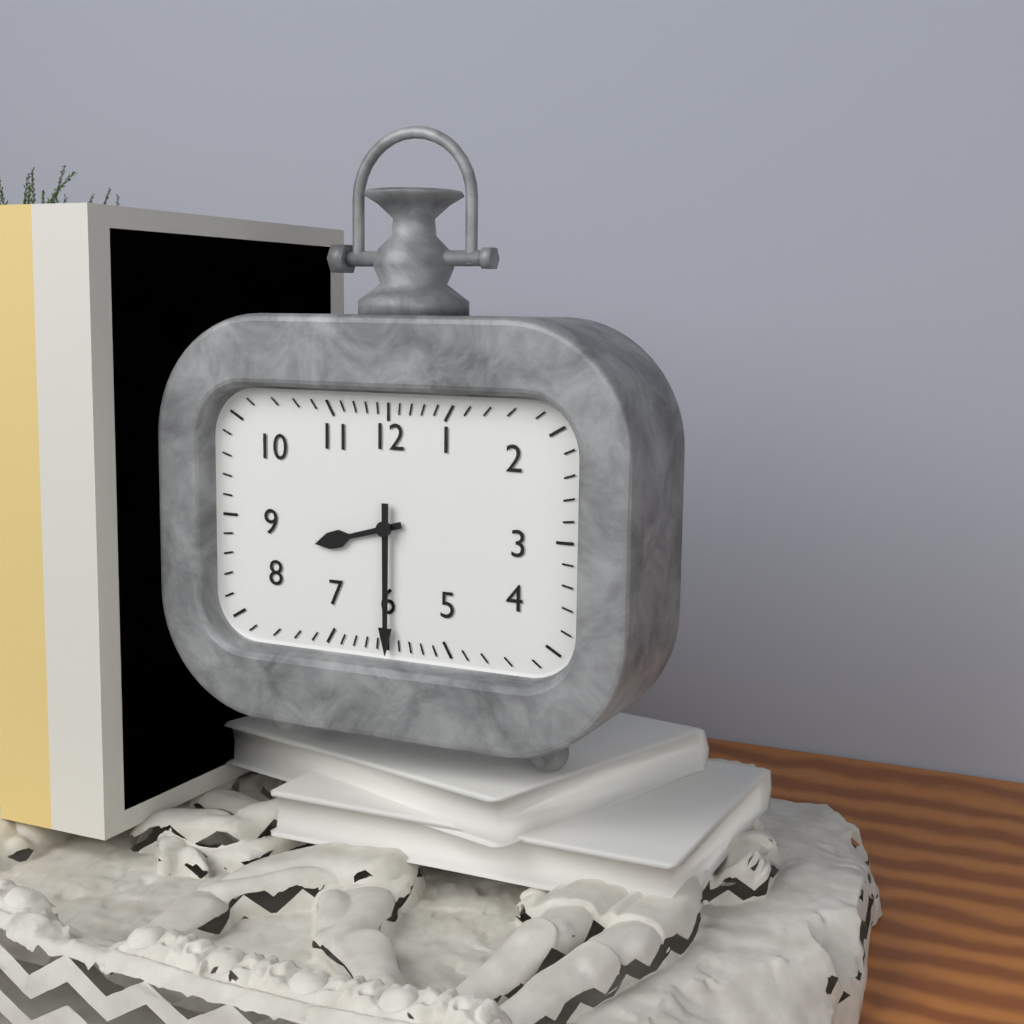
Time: **8:30**
